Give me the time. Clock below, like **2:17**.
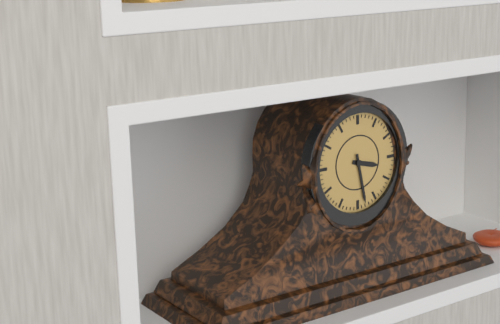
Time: **3:28**
